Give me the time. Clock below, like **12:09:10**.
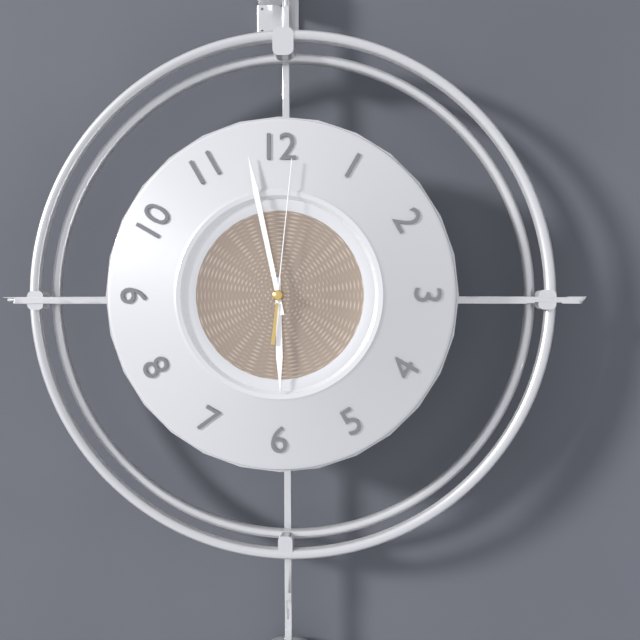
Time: **5:58:01**
